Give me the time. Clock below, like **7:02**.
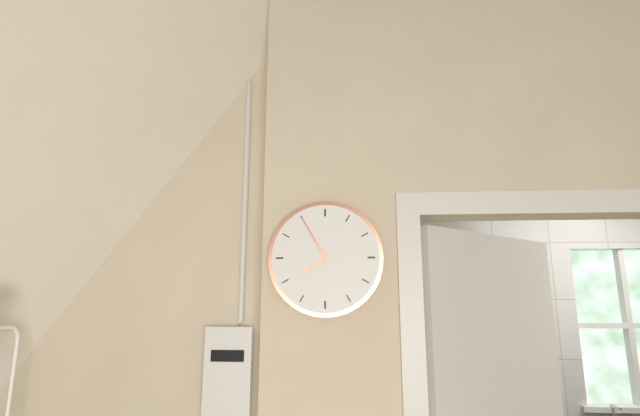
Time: **7:55**
